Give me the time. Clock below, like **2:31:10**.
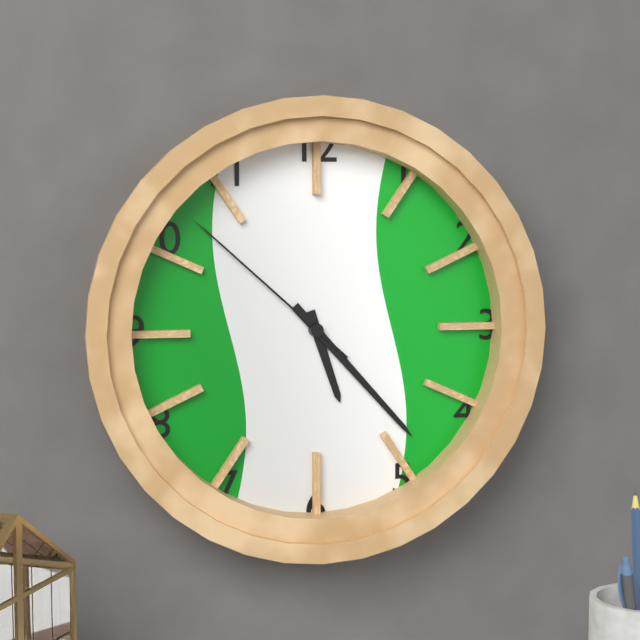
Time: **5:23:52**
